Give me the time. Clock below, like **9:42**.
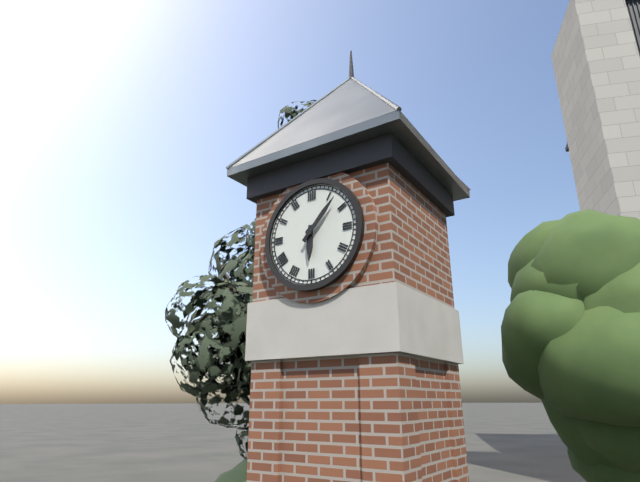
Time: **6:07**
